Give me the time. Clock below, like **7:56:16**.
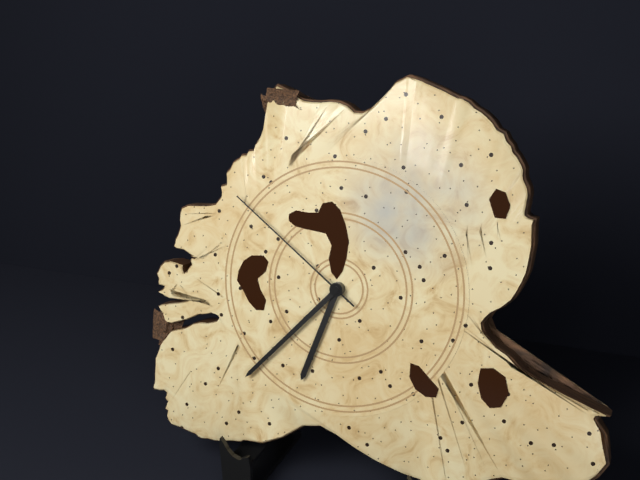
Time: **6:37:51**
